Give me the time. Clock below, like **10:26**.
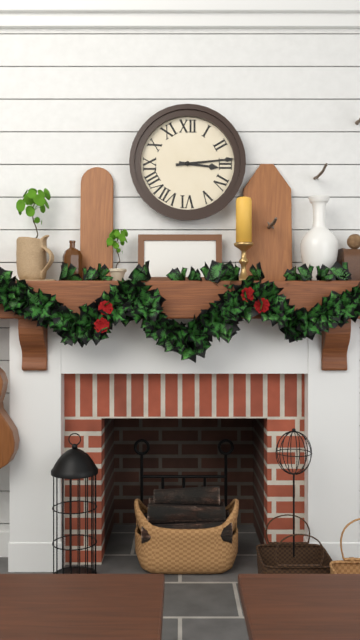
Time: **3:14**
